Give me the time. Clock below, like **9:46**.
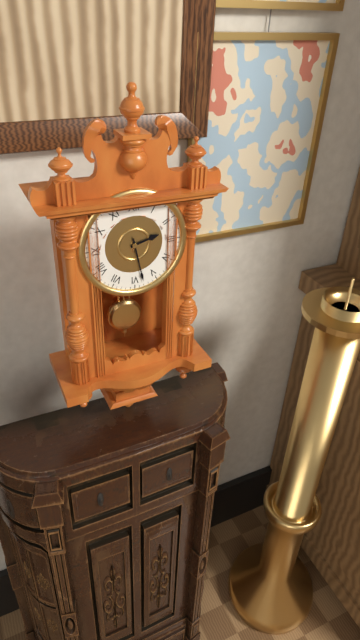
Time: **2:28**
